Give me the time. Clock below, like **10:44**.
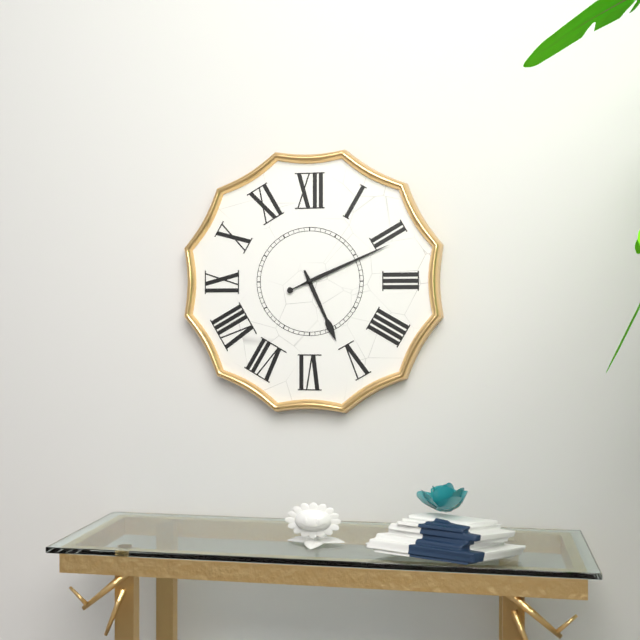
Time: **5:11**
